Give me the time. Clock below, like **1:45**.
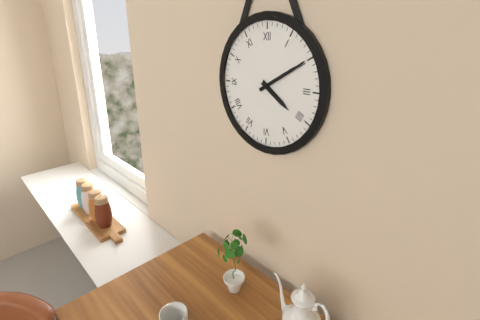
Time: **4:10**
